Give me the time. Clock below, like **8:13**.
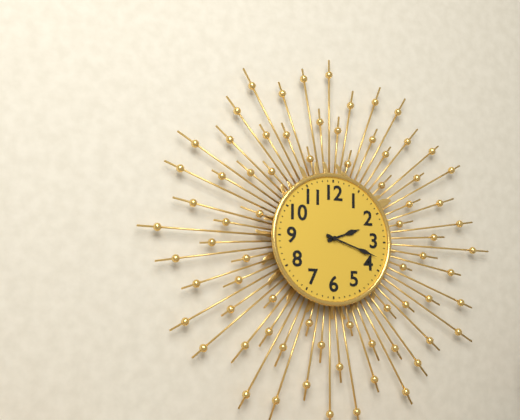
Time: **2:18**
